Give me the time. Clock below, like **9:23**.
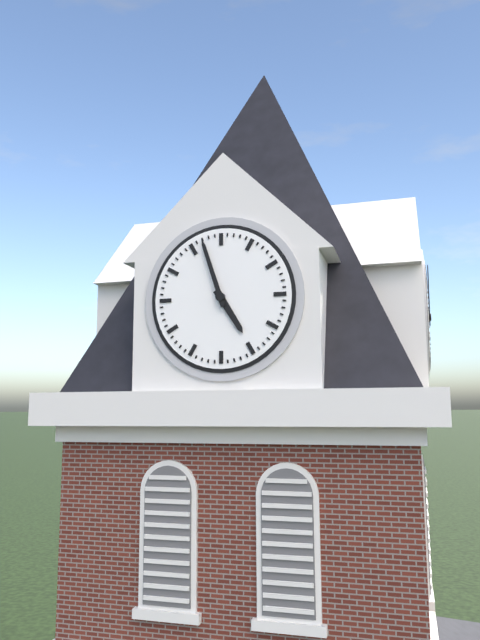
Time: **4:57**
